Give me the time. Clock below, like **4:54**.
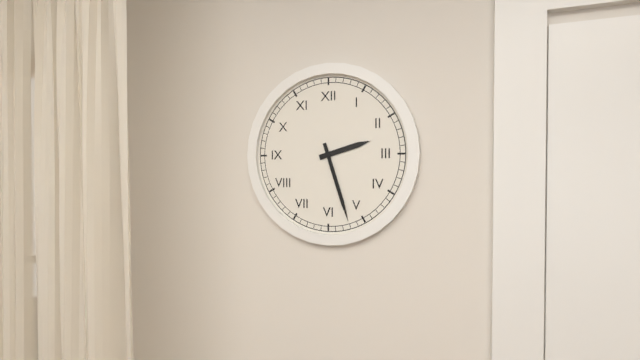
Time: **2:27**
